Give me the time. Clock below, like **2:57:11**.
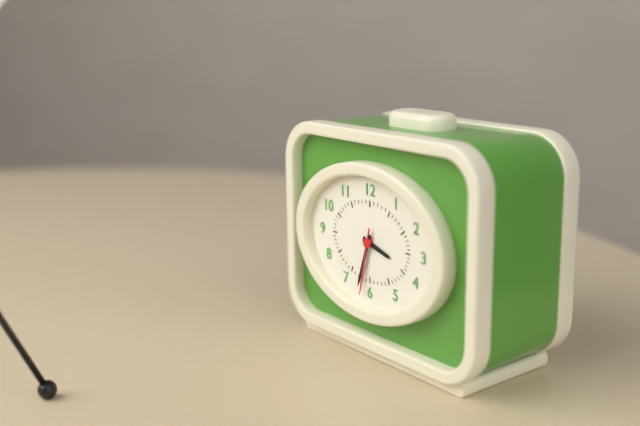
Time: **3:33:32**
